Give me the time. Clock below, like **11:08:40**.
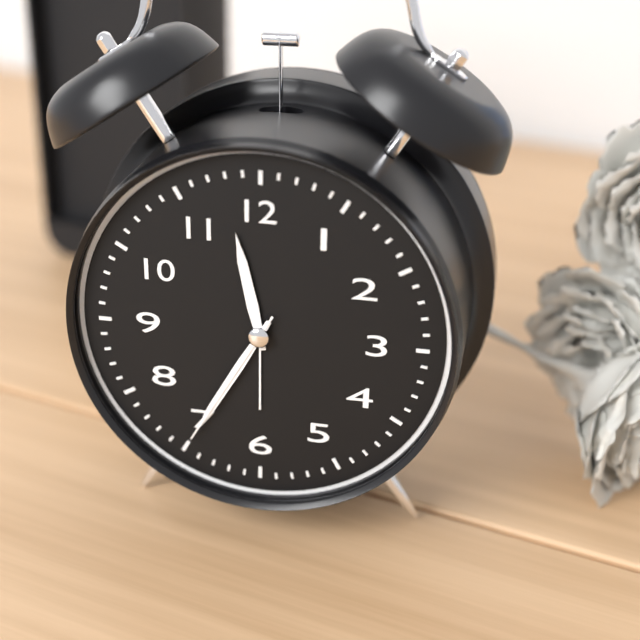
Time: **11:35:35**
